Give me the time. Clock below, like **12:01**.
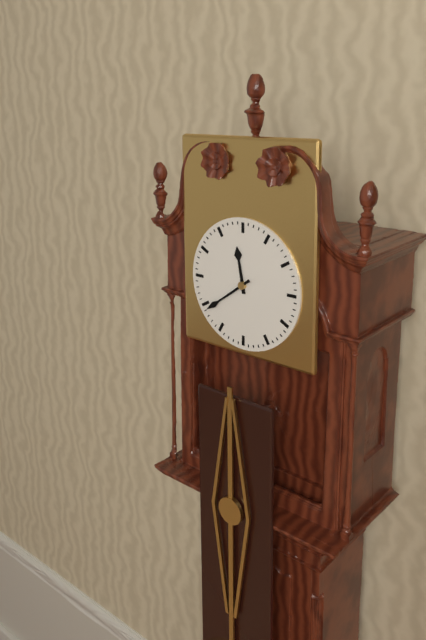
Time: **11:39**
